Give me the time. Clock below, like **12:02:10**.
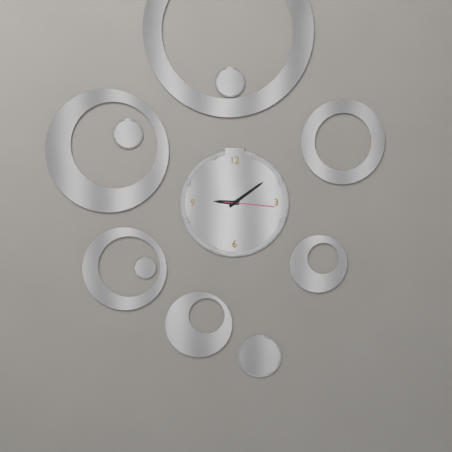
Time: **9:09:16**
